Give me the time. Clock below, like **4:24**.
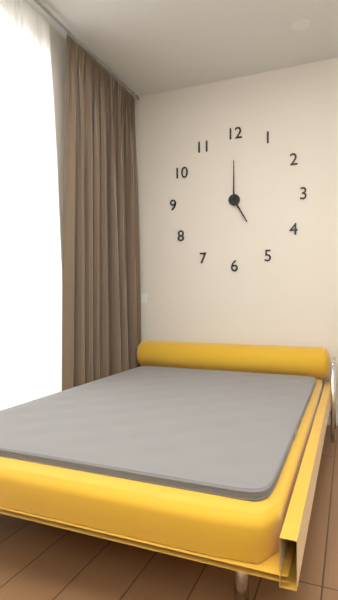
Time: **5:00**
